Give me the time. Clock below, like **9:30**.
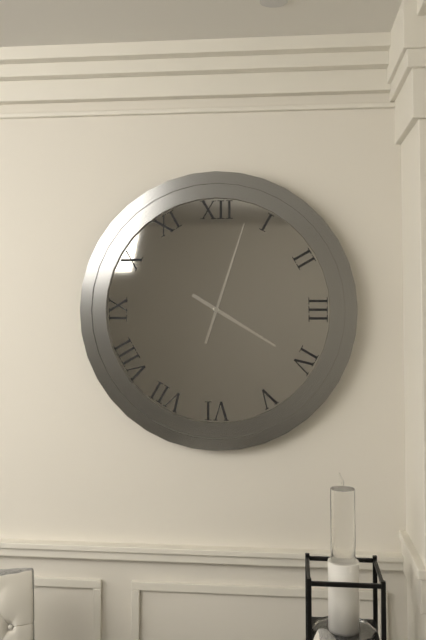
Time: **4:03**
